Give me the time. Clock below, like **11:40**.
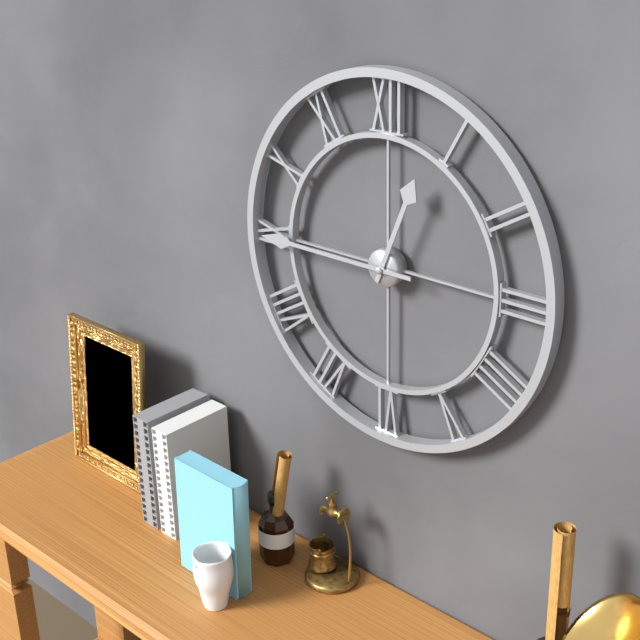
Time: **12:45**
